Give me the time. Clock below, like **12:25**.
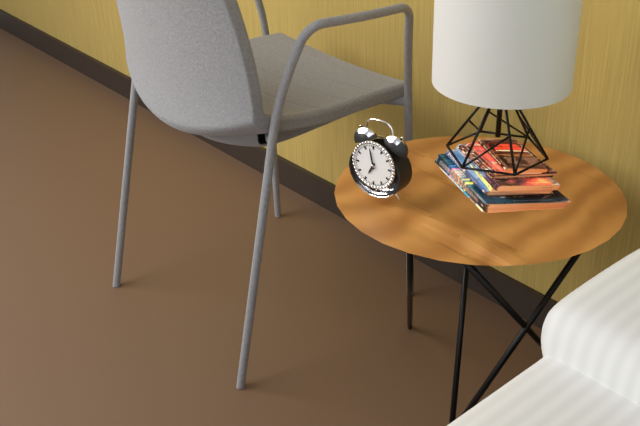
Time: **6:58**
